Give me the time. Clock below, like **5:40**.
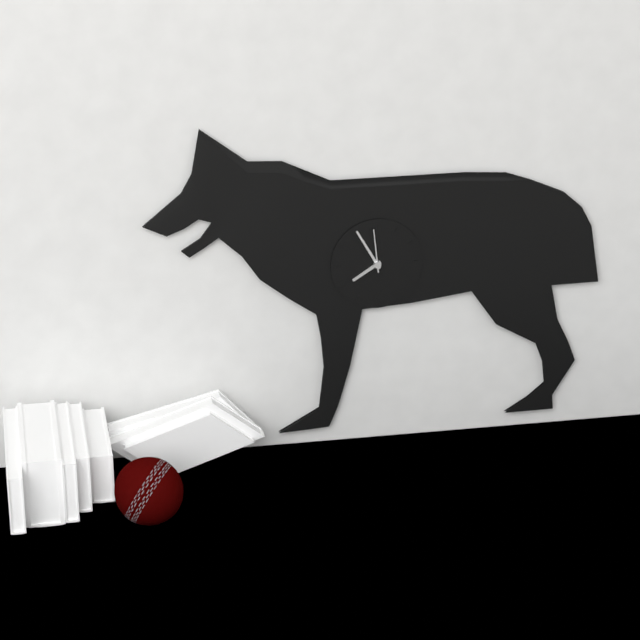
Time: **7:55**
